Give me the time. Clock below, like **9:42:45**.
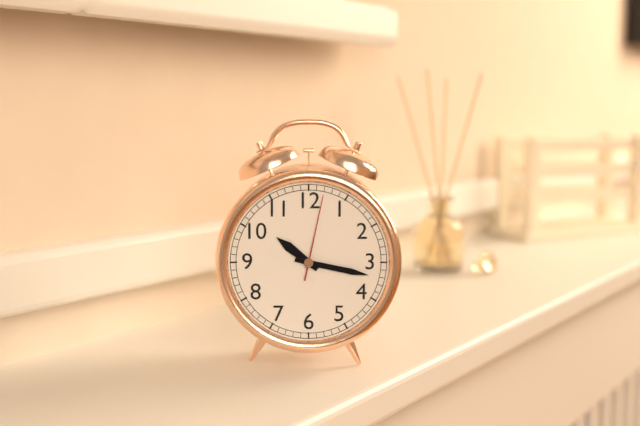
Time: **10:17:02**
